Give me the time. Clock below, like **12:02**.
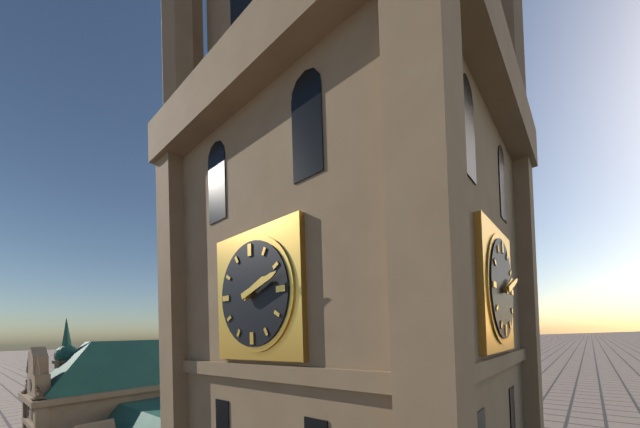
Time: **2:12**
